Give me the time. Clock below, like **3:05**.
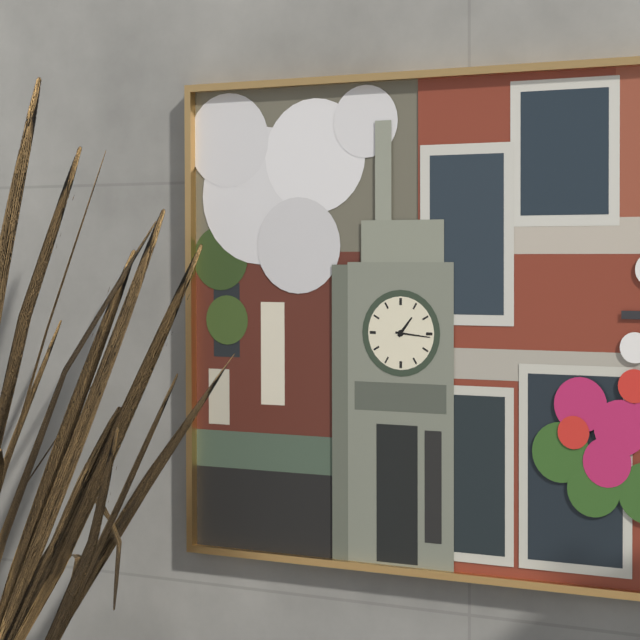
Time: **1:16**
